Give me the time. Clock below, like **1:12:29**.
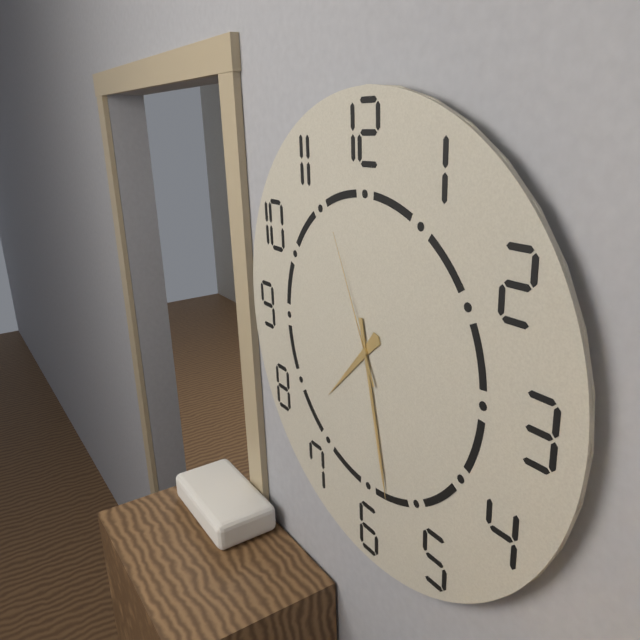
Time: **7:28:56**
